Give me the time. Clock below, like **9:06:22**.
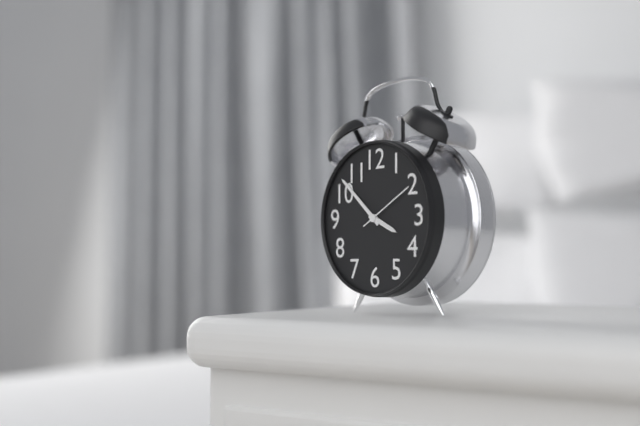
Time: **3:52:10**
